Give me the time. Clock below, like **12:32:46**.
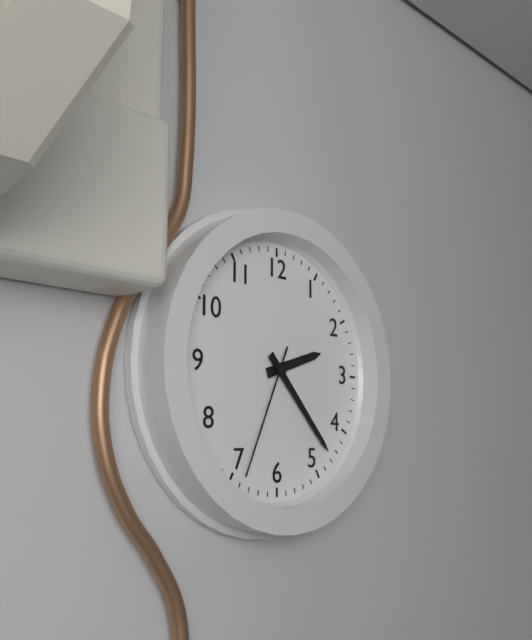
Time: **2:23:34**
